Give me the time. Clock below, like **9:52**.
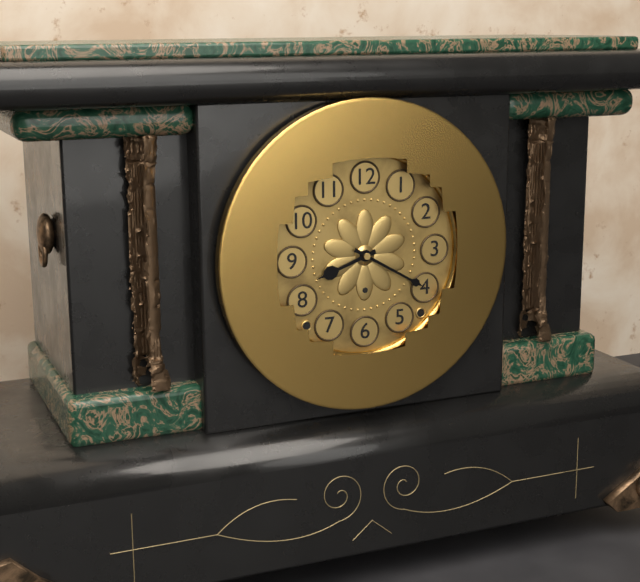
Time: **8:20**
